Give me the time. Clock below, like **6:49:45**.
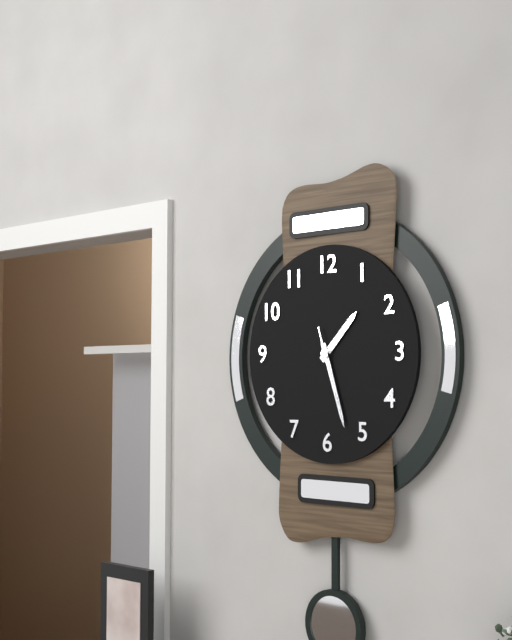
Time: **1:27:27**
